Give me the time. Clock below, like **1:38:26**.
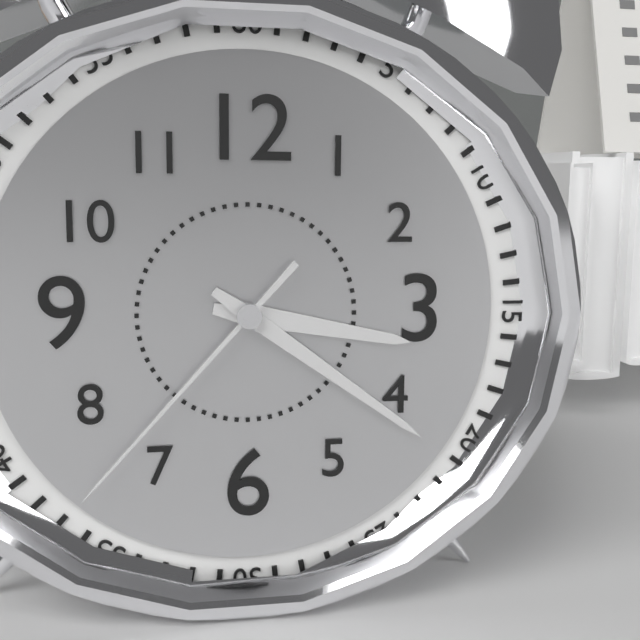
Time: **3:21:37**
